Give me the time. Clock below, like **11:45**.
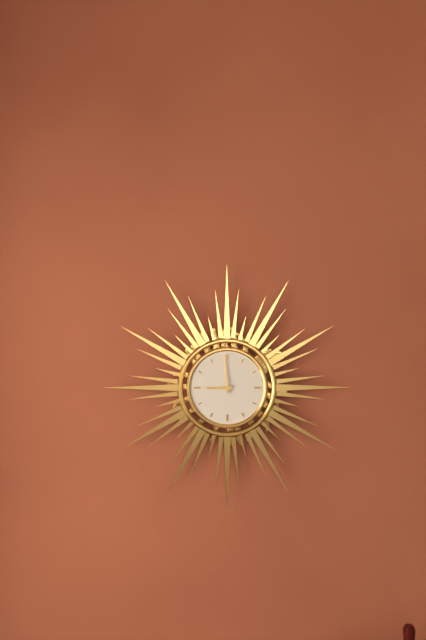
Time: **8:59**
